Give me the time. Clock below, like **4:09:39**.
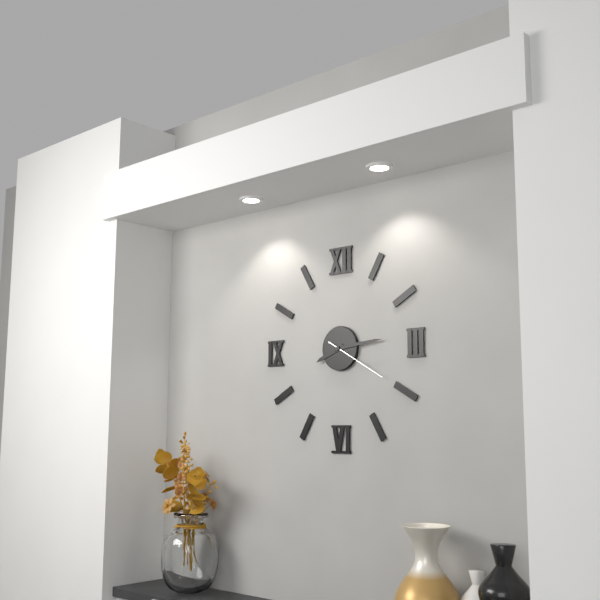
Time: **8:14:20**
